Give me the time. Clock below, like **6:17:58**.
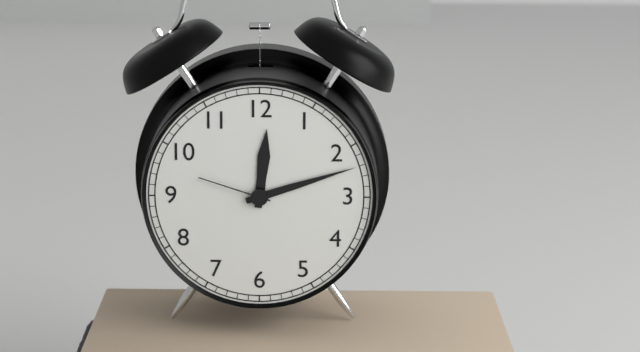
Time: **12:12:48**
